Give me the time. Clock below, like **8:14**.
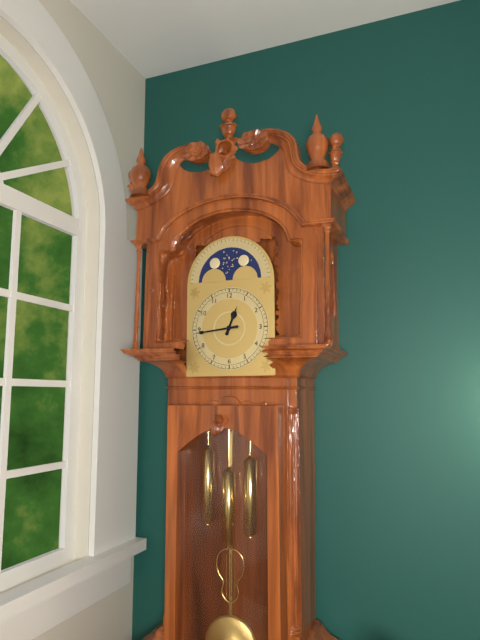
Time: **12:44**
